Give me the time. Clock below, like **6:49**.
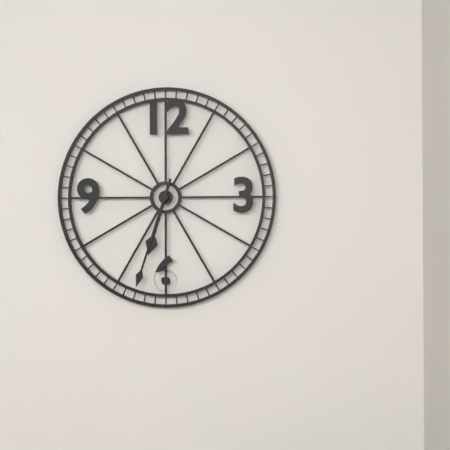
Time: **6:33**
